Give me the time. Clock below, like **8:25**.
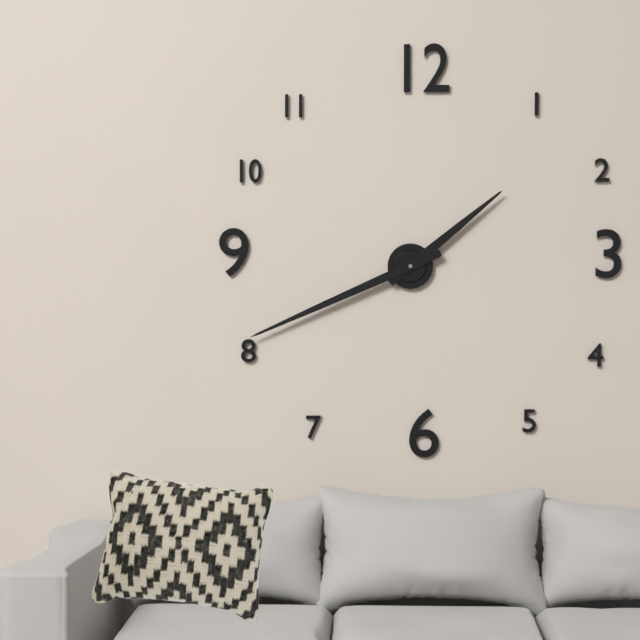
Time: **1:41**
